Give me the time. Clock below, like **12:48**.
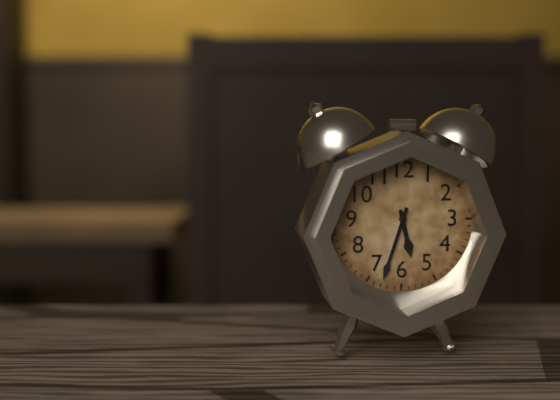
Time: **5:33**
